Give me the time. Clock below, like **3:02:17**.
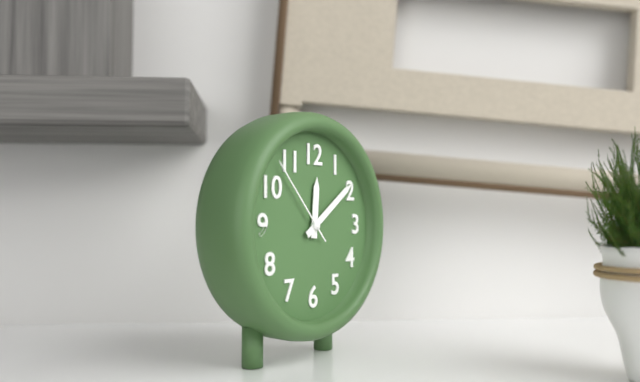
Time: **12:09:53**
